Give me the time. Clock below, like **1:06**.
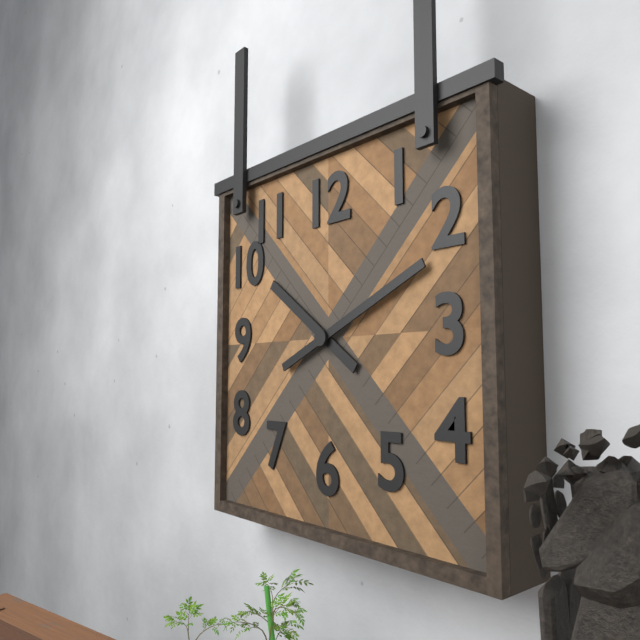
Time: **10:11**
